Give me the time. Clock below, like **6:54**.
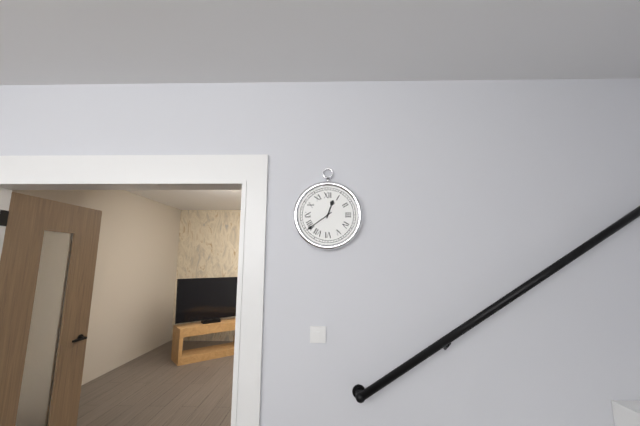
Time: **12:39**
